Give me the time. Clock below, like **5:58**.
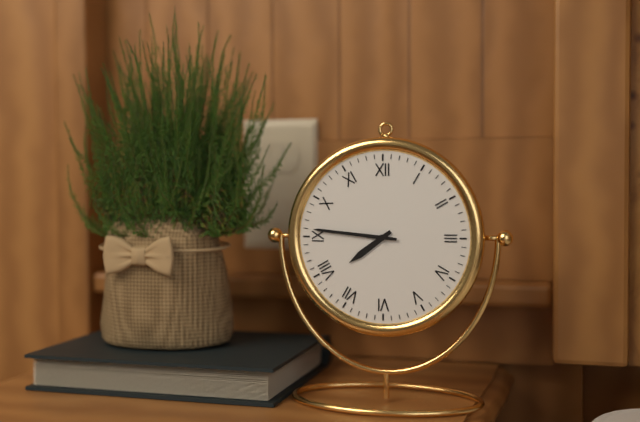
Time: **7:46**
